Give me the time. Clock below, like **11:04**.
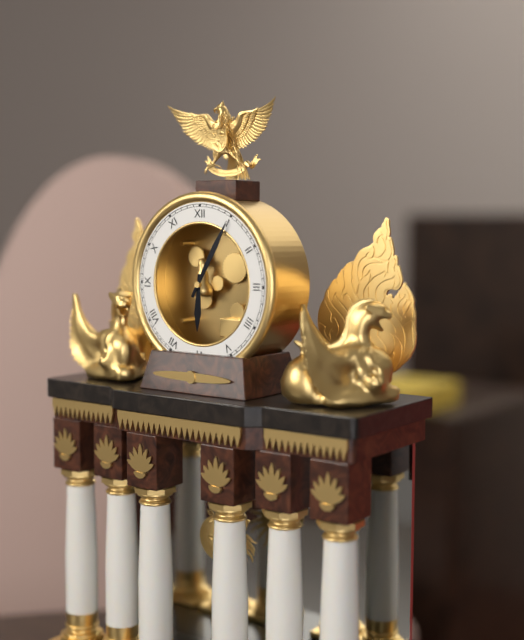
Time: **6:05**
